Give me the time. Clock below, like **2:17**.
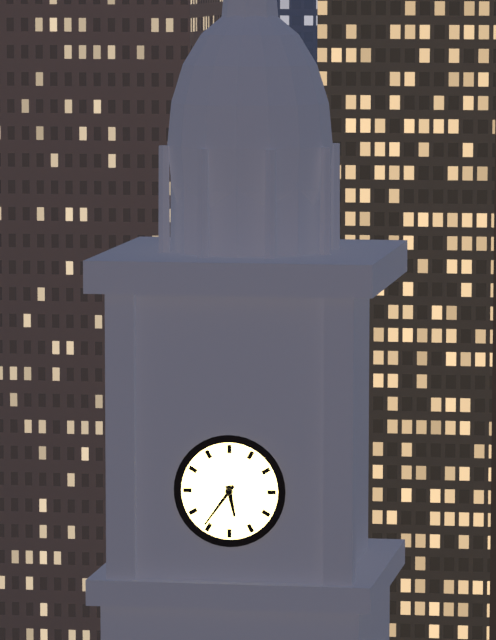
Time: **5:36**
